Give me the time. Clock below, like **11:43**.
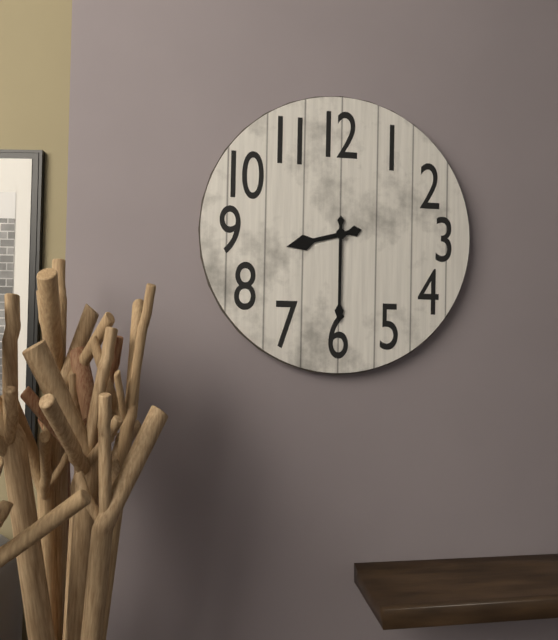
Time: **8:30**
